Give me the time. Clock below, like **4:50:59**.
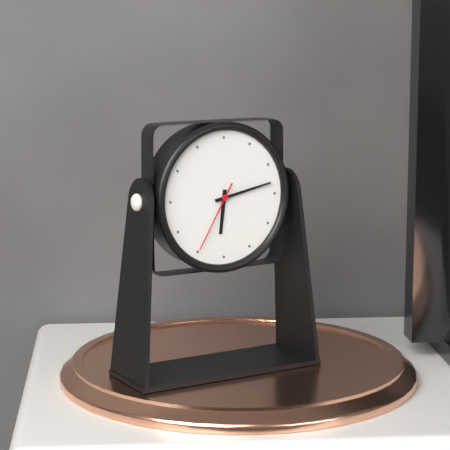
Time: **6:13:35**
